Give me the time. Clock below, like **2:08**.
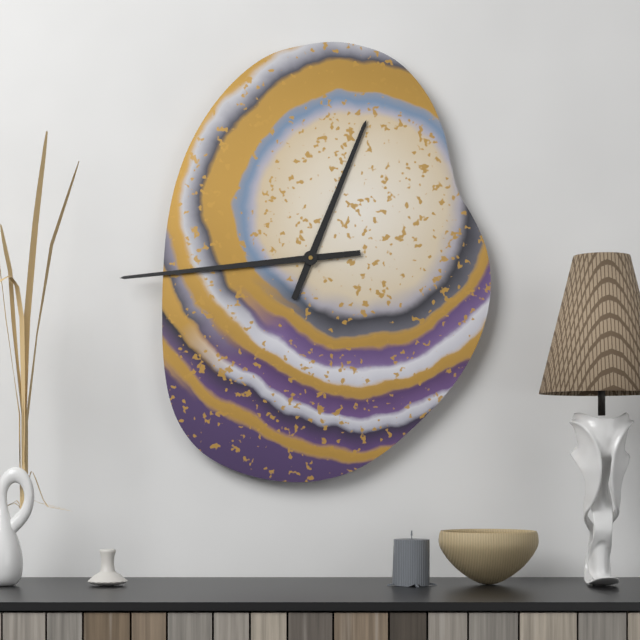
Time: **12:44**
